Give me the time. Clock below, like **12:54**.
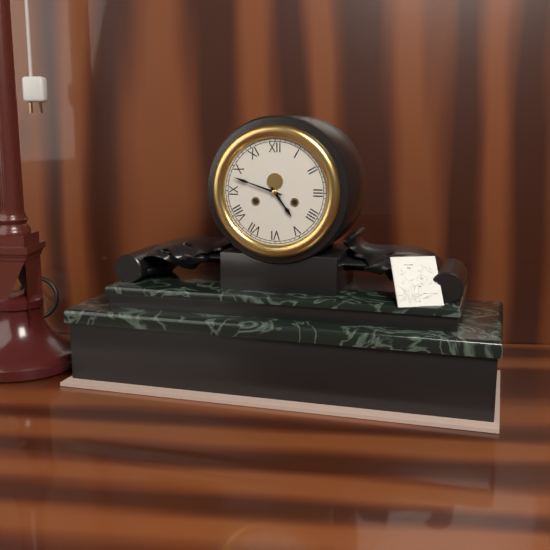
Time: **4:48**
